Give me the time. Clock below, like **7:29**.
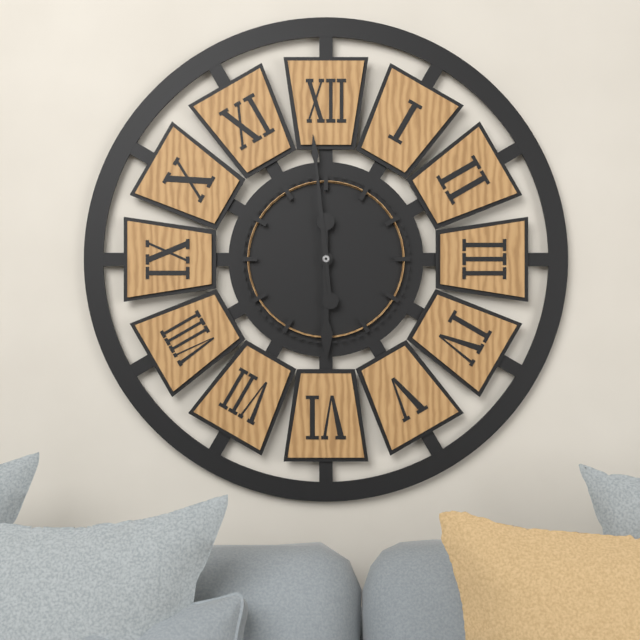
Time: **5:59**
